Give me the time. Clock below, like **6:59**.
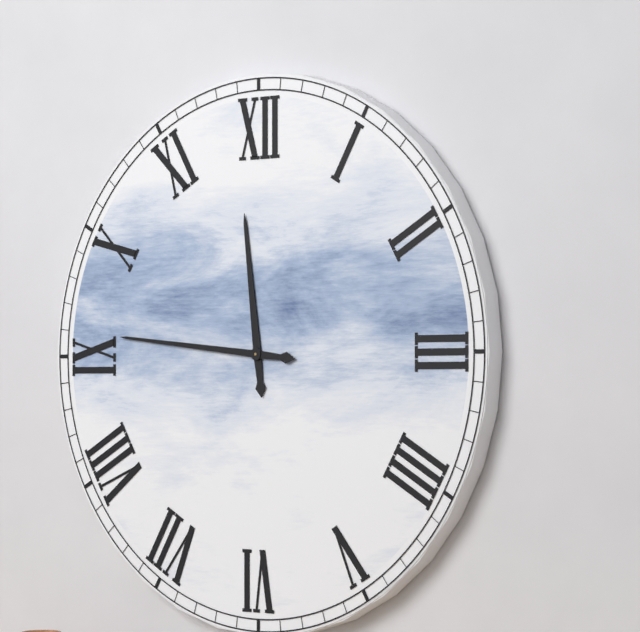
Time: **11:46**
